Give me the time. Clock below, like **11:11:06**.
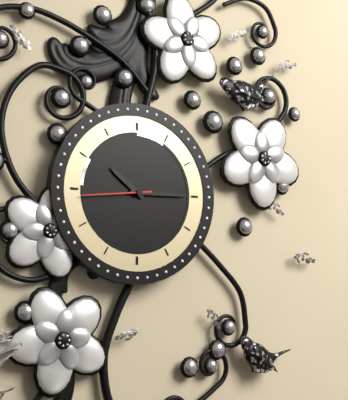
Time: **10:15:44**
